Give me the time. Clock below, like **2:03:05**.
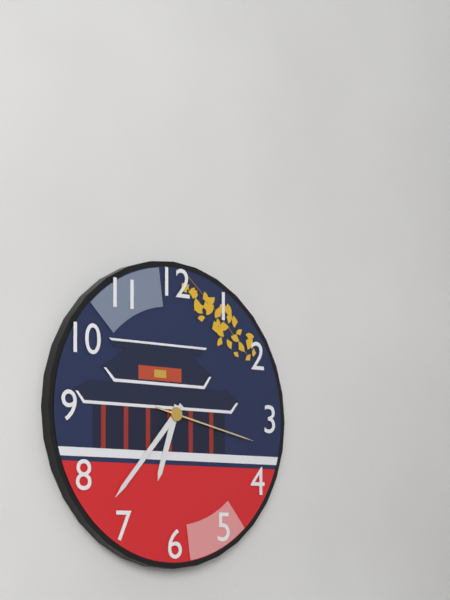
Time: **6:37:17**
